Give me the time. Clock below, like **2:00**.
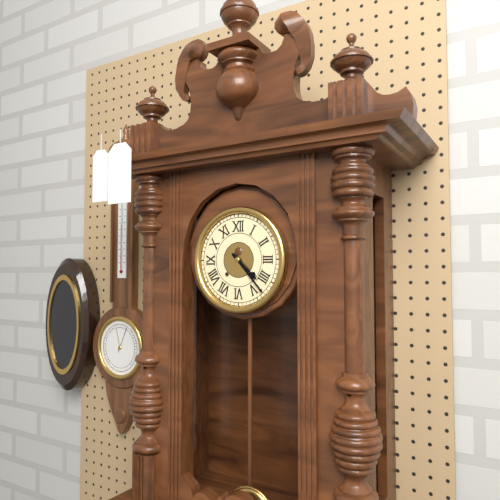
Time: **4:23**
